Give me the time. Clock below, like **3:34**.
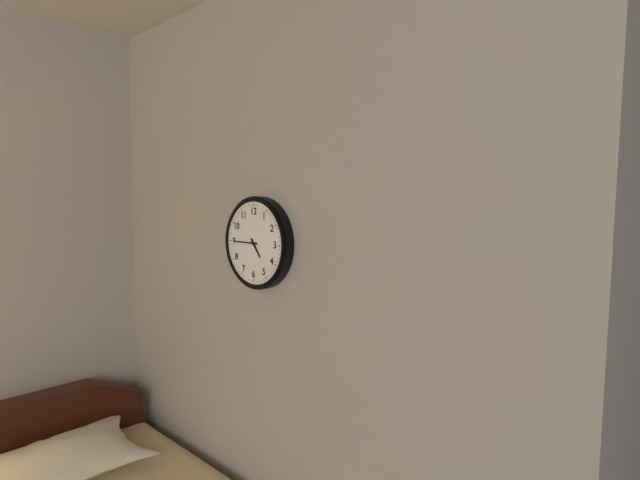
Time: **4:45**
